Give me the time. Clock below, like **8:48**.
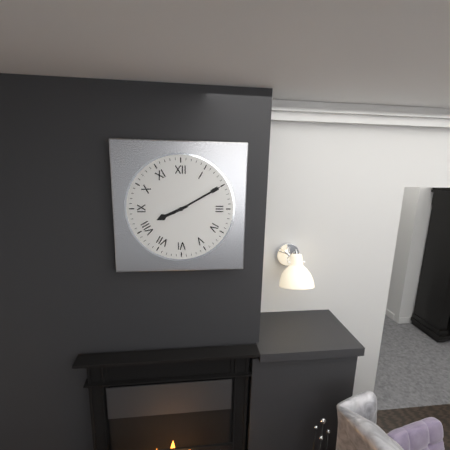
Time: **8:10**
